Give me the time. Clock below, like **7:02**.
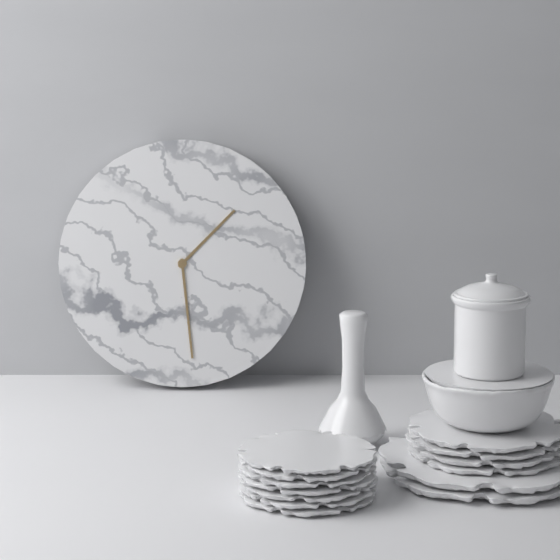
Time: **1:29**
